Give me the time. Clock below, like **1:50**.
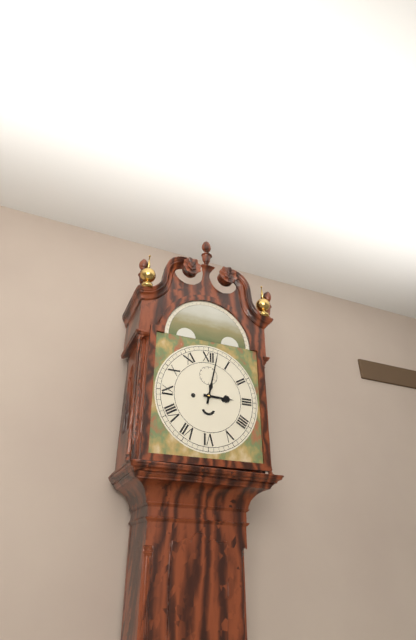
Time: **3:02**
